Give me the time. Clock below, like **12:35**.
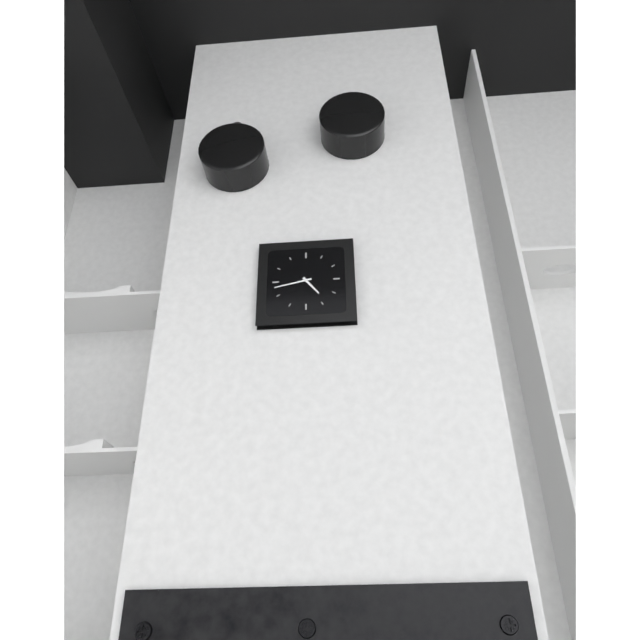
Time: **4:43**
